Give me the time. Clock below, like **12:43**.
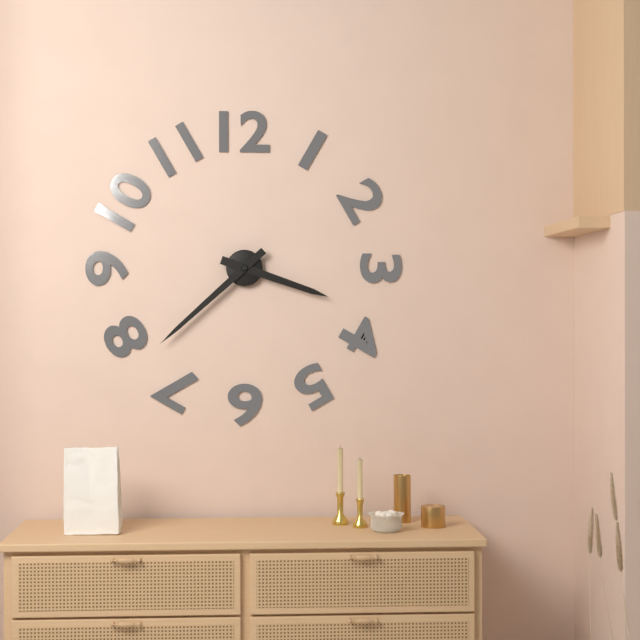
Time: **3:38**
